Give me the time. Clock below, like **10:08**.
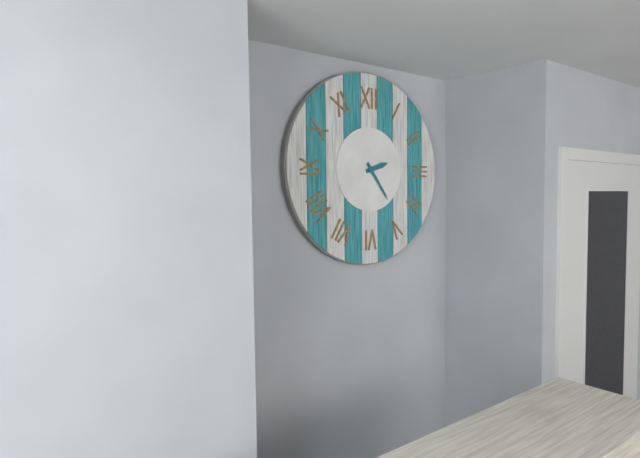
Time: **2:24**
